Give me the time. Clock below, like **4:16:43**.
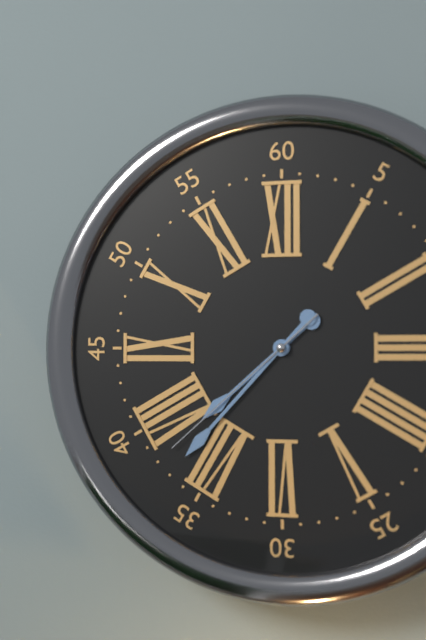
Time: **7:37:38**
